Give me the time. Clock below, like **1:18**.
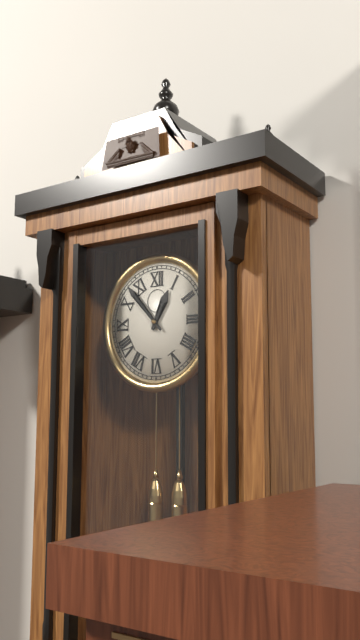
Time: **12:53**
